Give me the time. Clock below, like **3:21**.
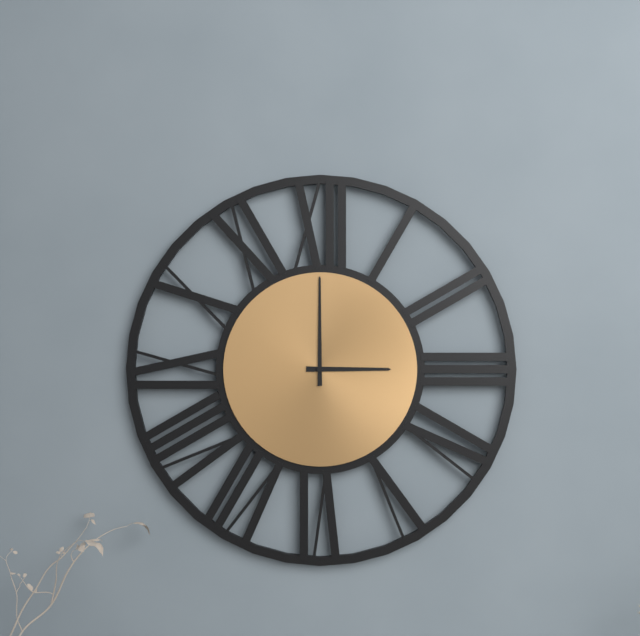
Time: **3:00**
